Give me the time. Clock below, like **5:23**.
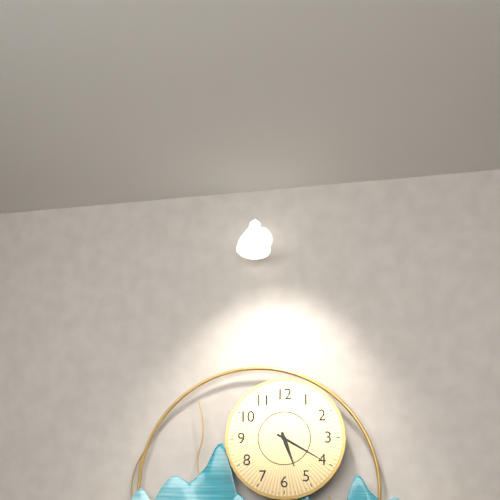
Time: **5:20**
